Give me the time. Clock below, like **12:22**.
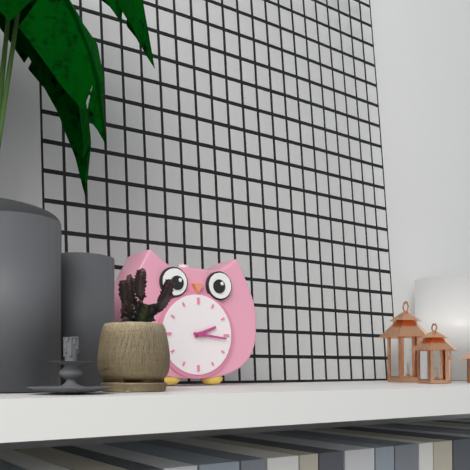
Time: **2:16**
